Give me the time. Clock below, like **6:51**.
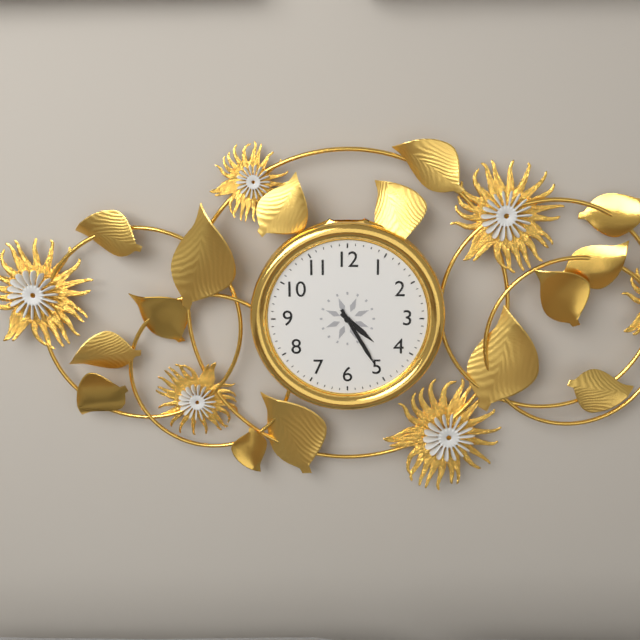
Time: **4:25**
